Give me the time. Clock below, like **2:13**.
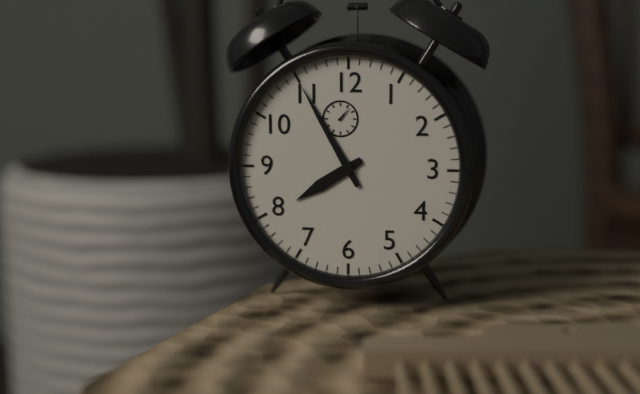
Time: **7:55**
